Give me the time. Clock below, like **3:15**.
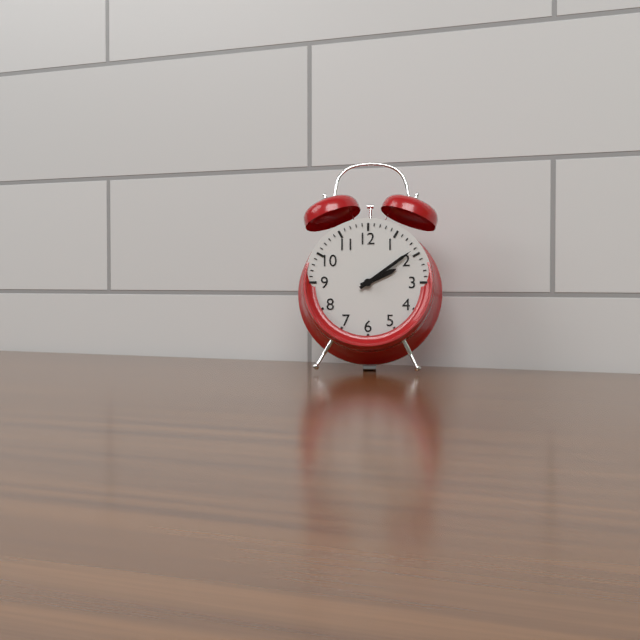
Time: **2:09**
